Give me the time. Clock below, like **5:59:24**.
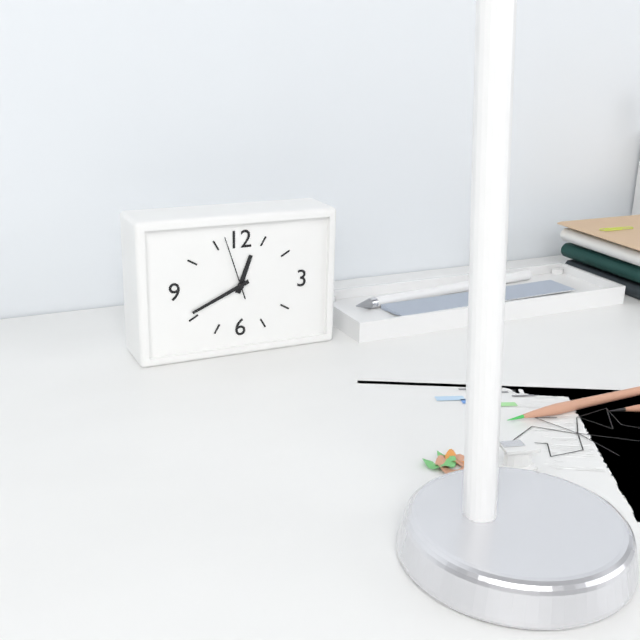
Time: **12:41:57**
